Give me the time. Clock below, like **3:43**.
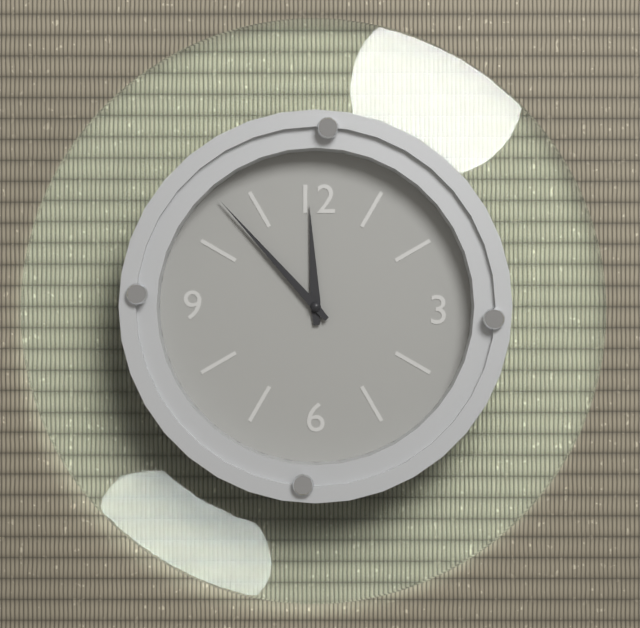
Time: **11:53**
